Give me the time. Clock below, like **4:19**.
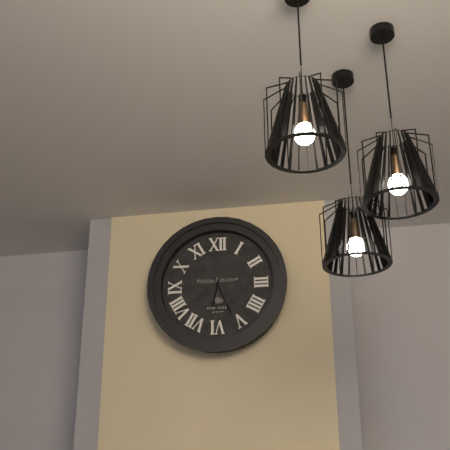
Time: **6:26**
